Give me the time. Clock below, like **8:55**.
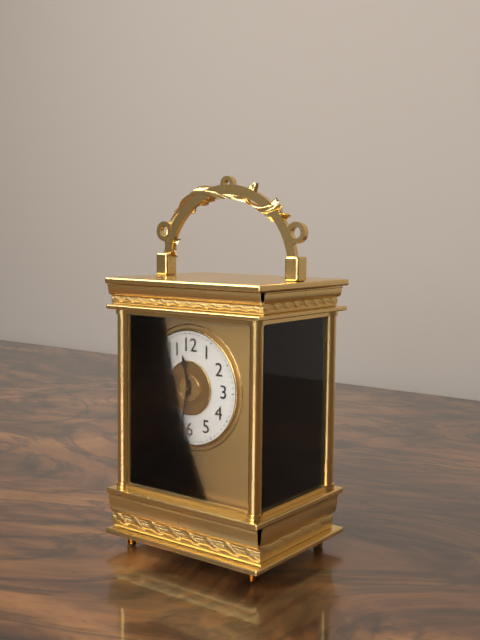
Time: **11:32**
